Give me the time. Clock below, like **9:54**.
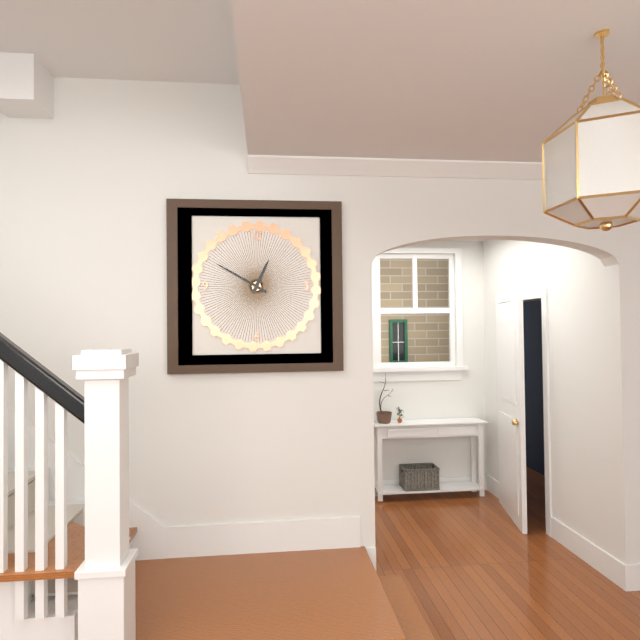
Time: **12:50**
